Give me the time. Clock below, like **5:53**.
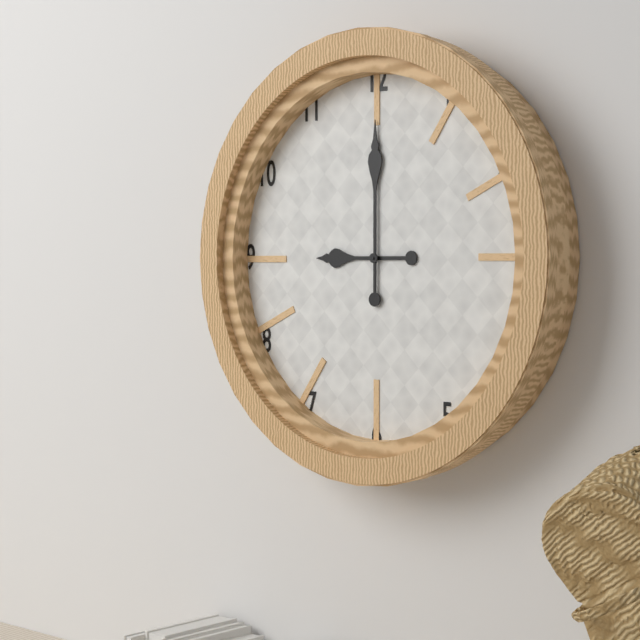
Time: **9:00**
